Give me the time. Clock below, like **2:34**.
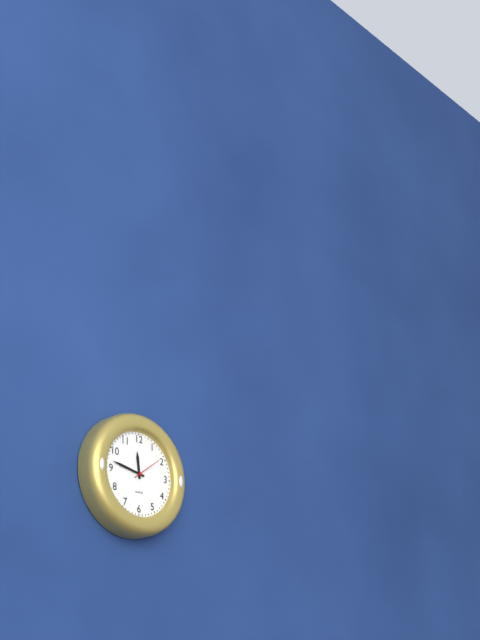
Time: **11:47**
